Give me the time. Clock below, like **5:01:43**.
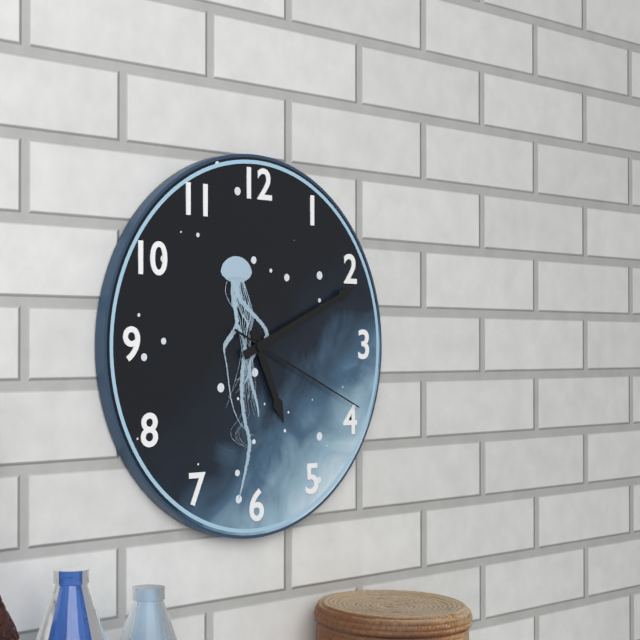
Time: **5:11:19**
